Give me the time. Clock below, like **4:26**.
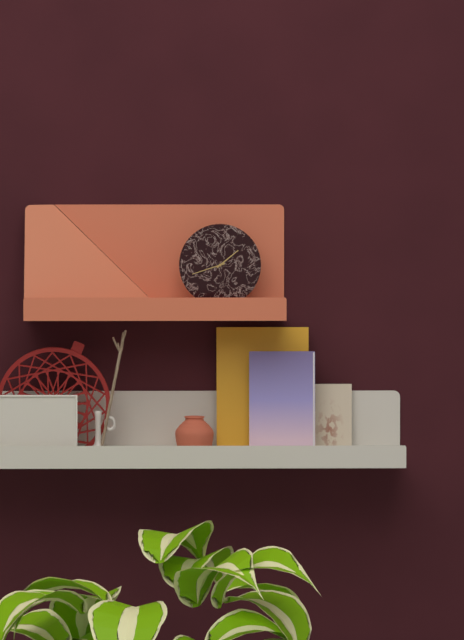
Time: **1:42**
